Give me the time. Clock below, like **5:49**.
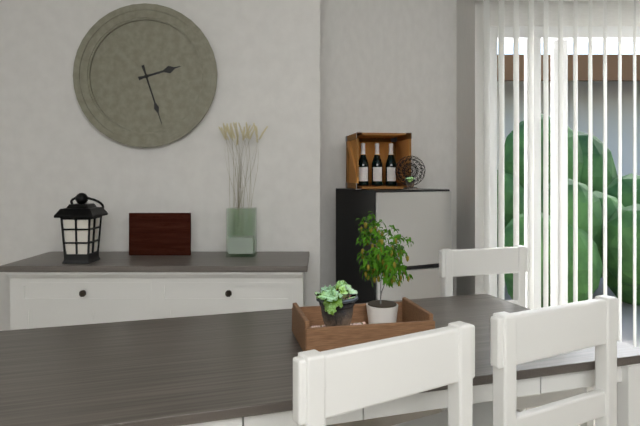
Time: **2:27**
